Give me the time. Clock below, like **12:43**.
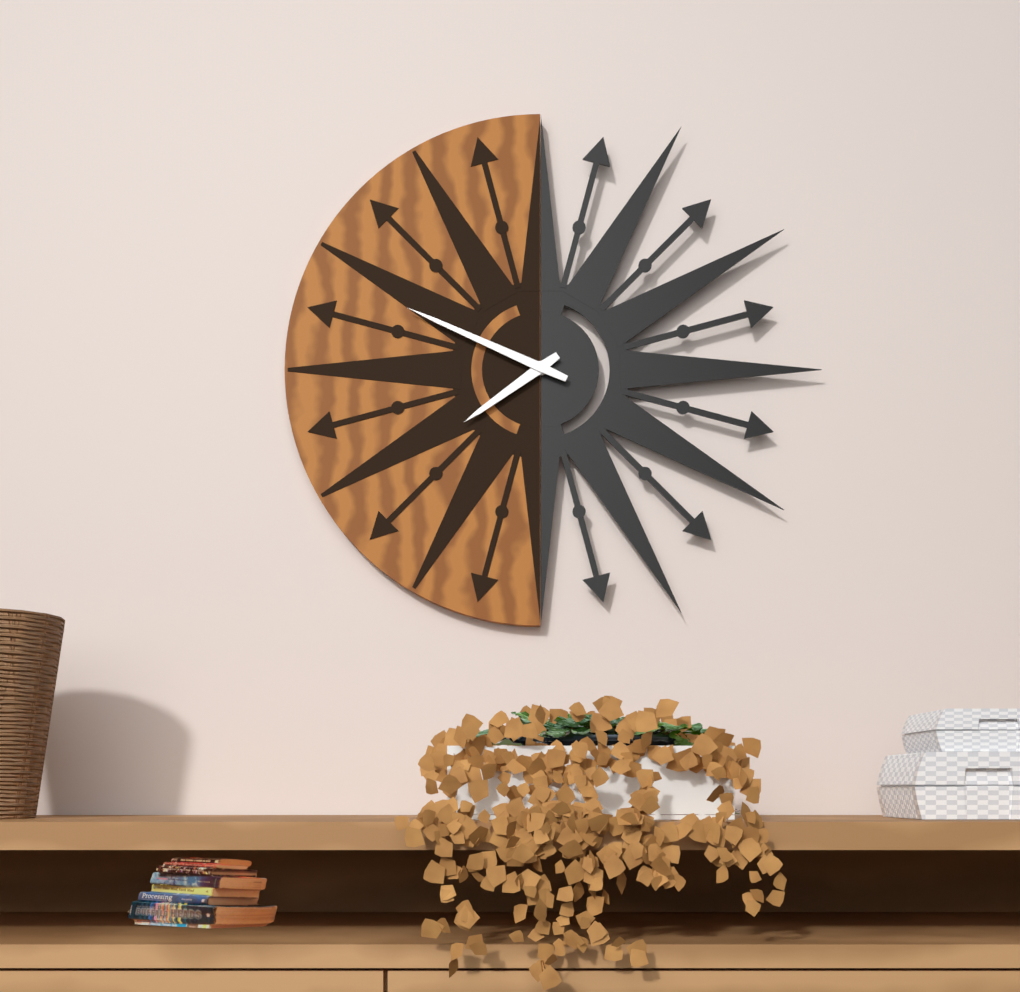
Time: **7:49**
